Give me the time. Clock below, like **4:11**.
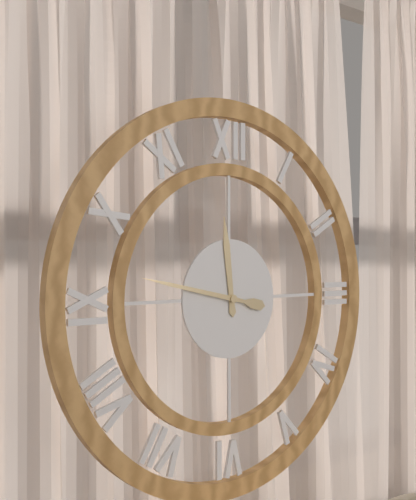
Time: **11:47**
